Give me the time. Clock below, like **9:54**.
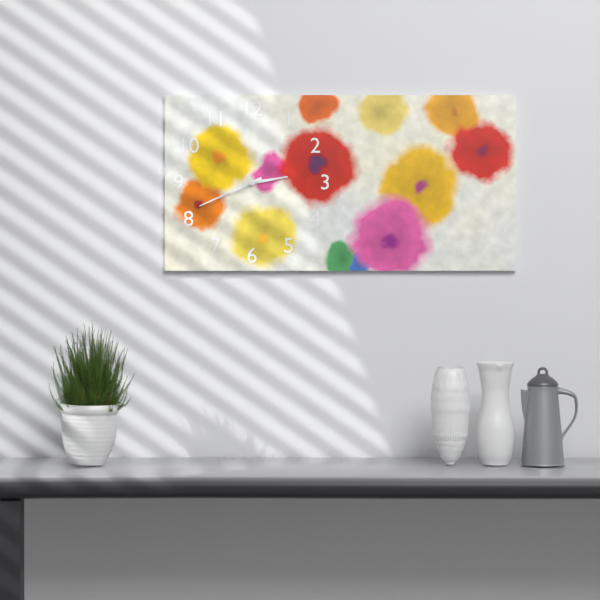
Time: **2:41**
